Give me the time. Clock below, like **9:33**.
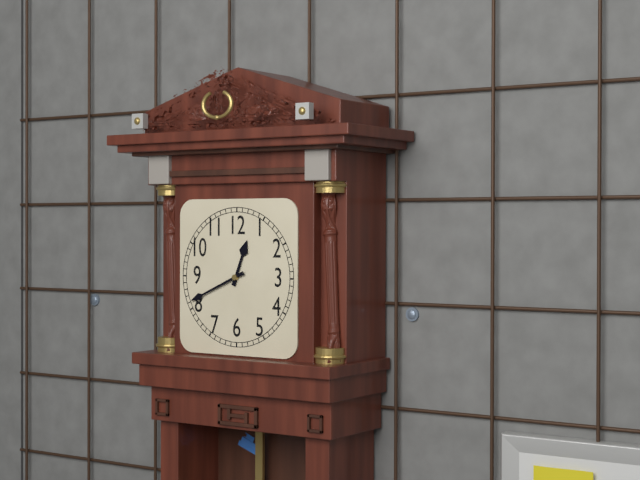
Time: **12:41**
